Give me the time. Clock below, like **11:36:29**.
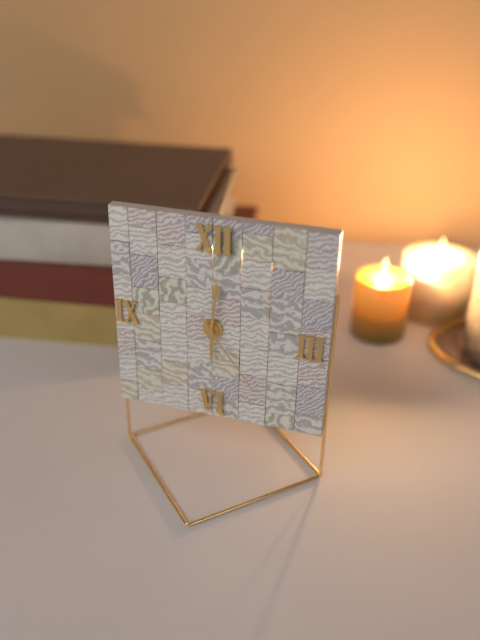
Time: **6:01:24**
